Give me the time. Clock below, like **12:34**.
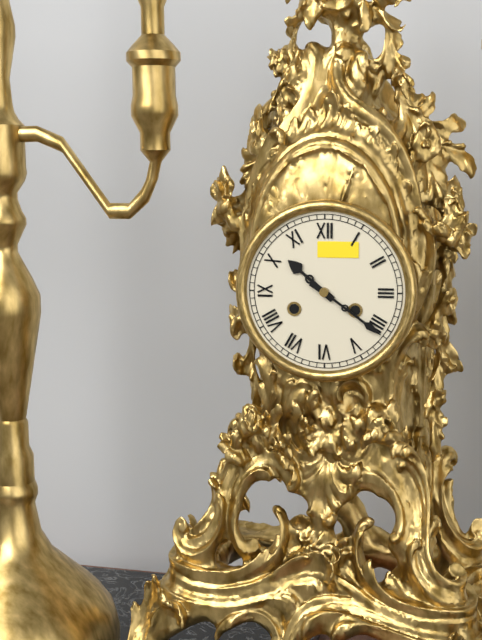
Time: **10:21**
